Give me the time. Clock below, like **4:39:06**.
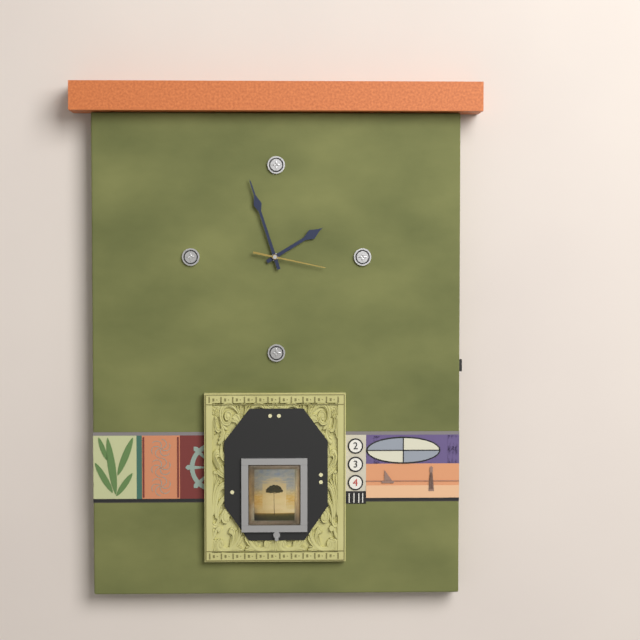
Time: **1:57:17**
